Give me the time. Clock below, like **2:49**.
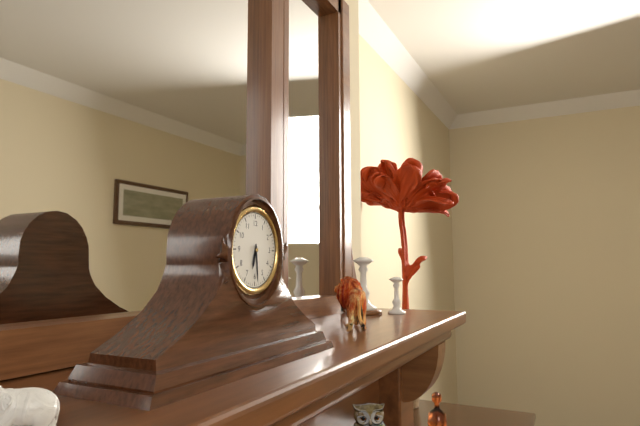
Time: **6:29**
